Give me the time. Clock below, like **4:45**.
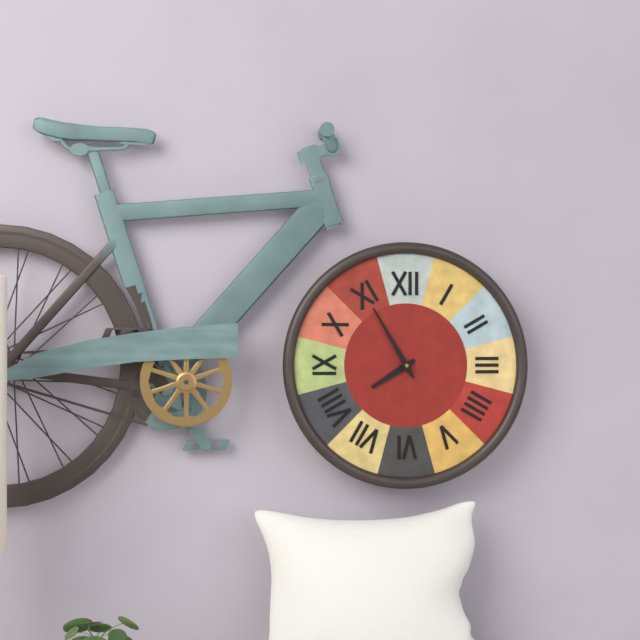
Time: **7:55**
